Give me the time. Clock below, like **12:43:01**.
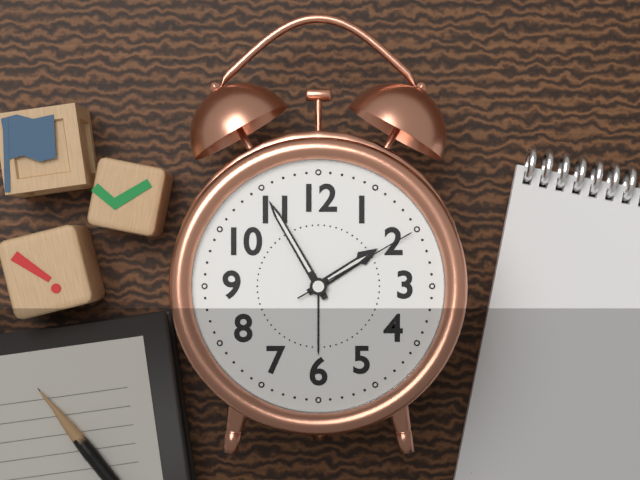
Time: **1:55:10**
